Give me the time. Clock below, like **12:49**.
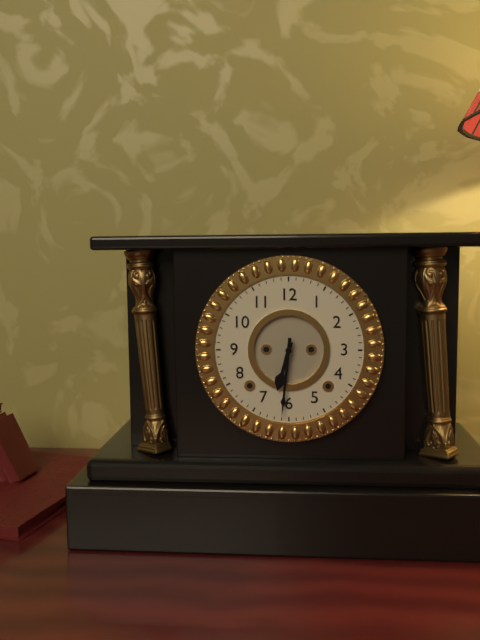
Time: **6:31**
